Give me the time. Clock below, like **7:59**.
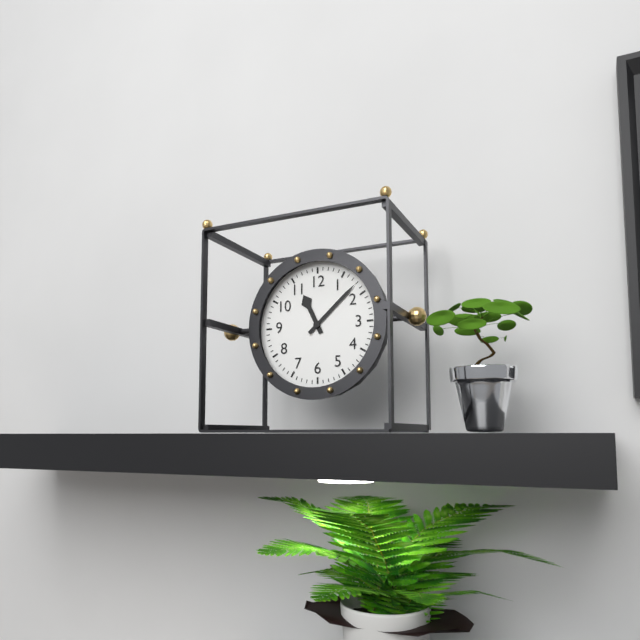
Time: **11:08**
